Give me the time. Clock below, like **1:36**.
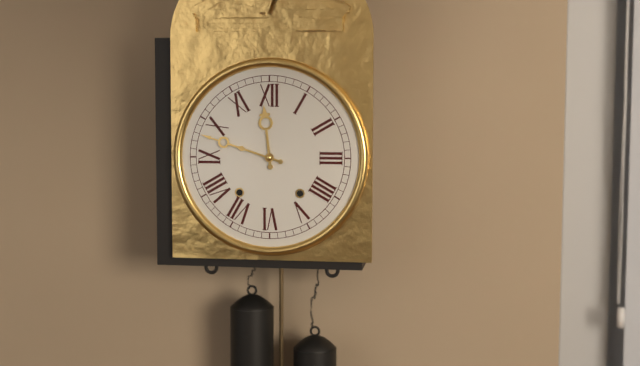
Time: **11:48**
